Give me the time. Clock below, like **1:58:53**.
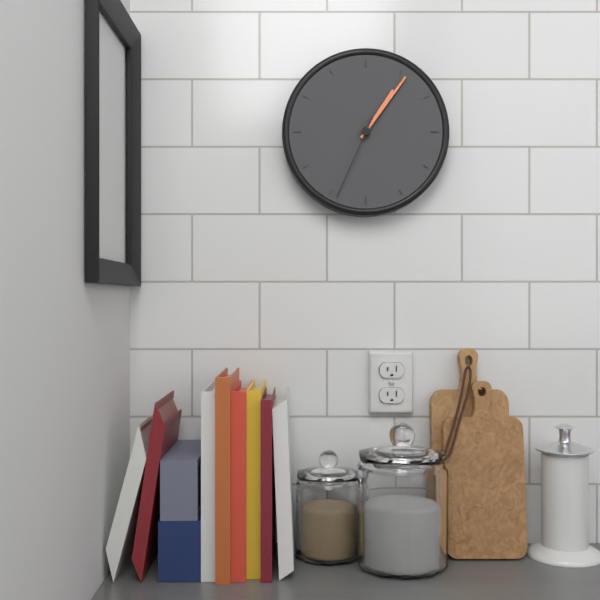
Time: **1:06:34**
